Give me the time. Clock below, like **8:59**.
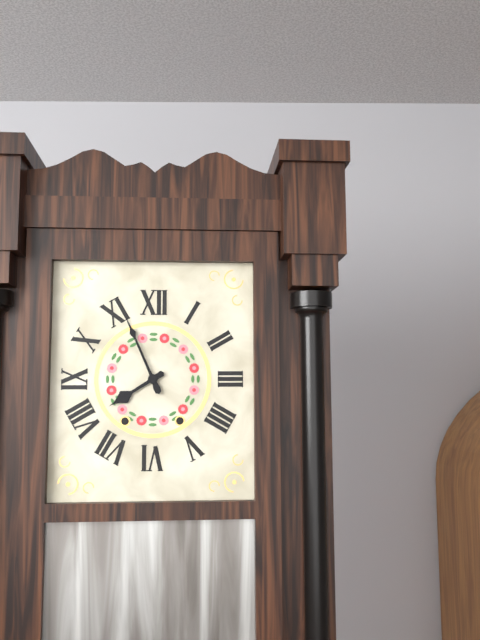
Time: **7:56**
